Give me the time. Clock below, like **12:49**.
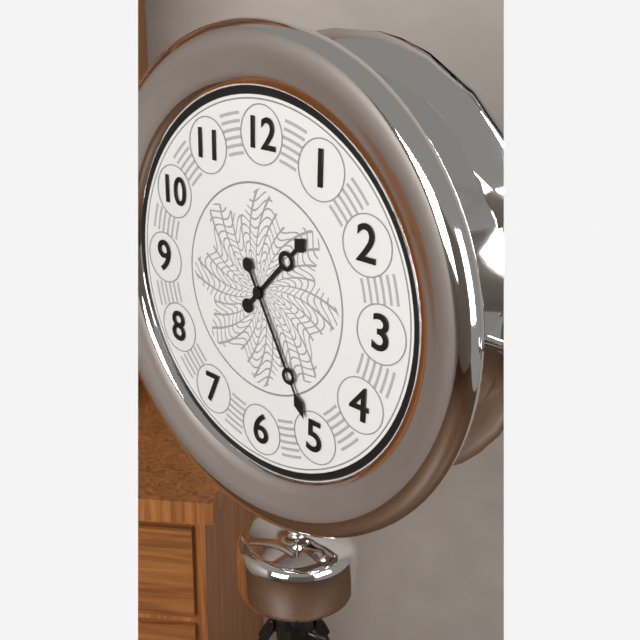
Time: **1:25**
